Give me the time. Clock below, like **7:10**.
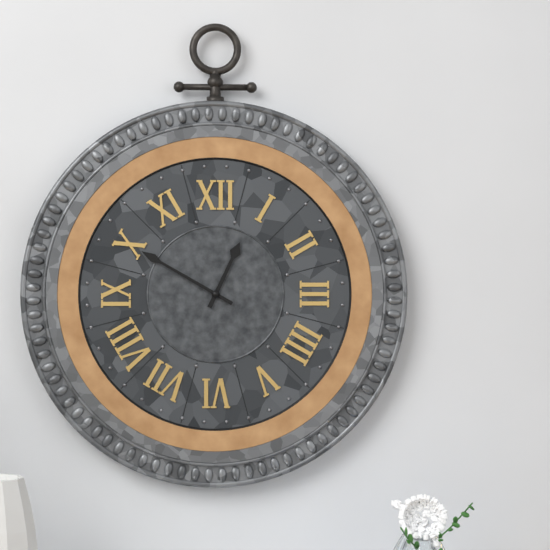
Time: **12:50**
